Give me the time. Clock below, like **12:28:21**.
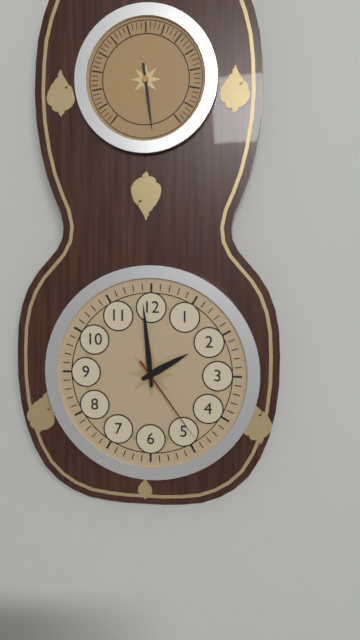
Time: **1:59:24**
